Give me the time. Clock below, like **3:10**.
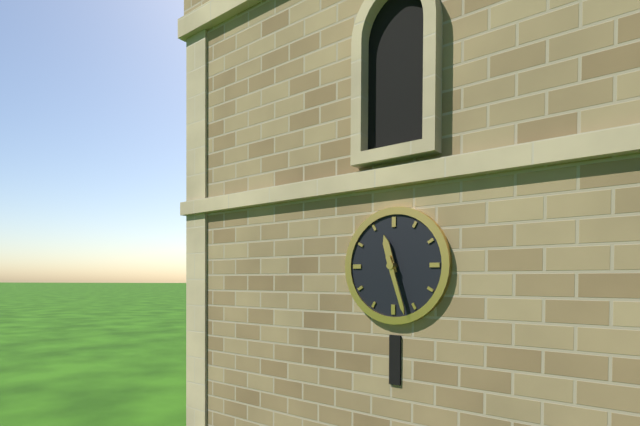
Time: **11:27**
